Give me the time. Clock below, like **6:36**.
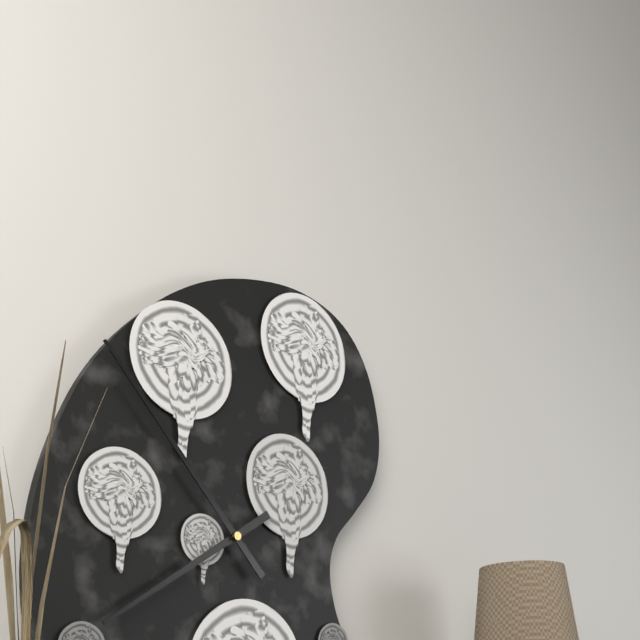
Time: **7:53**
